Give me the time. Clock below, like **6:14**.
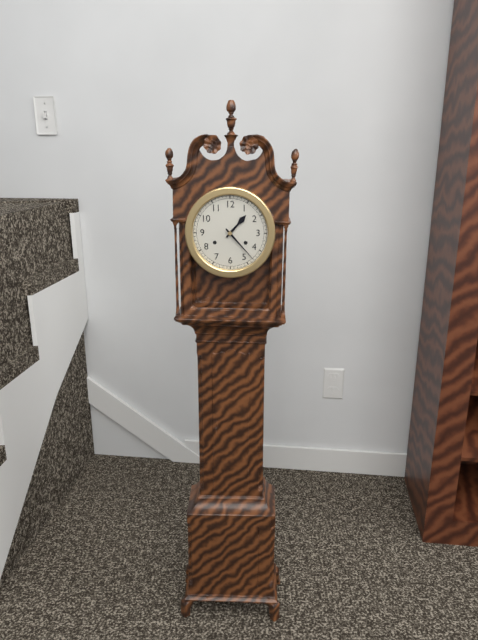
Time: **1:23**
